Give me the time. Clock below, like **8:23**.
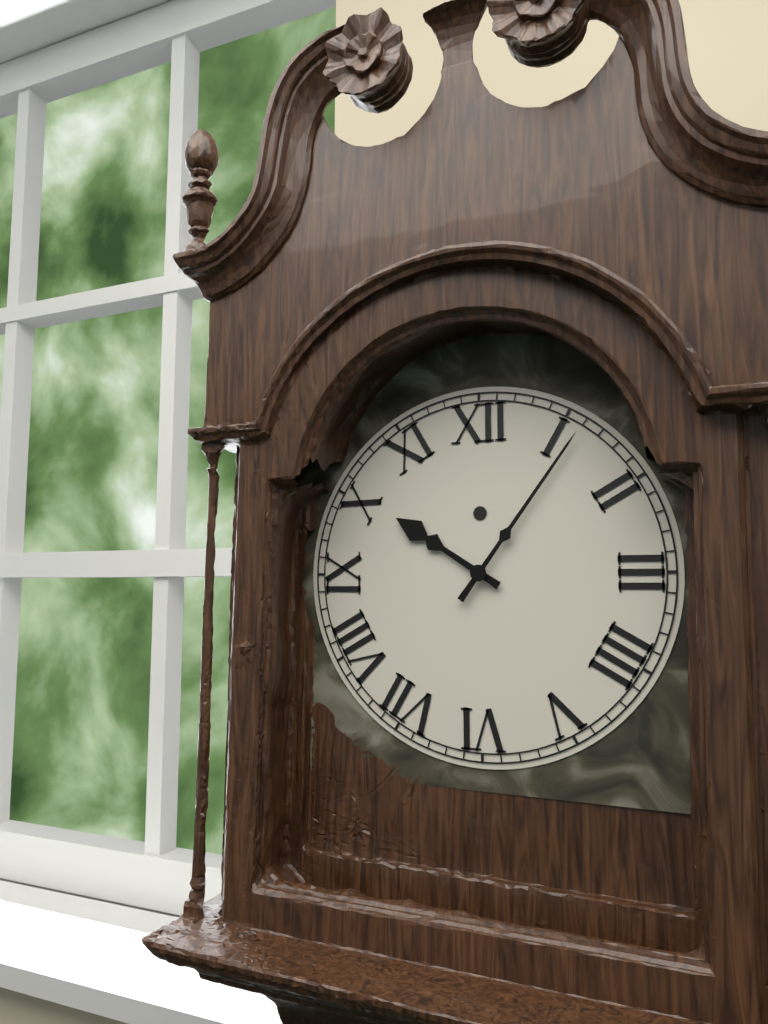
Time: **10:06**
